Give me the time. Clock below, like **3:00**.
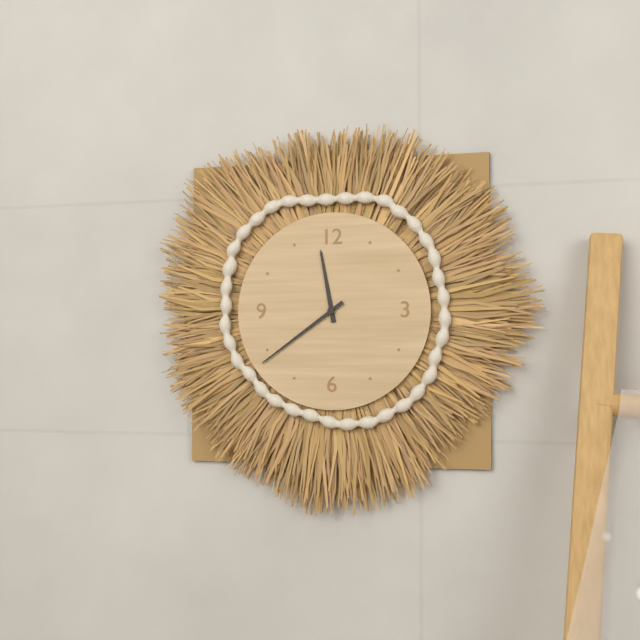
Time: **11:39**
